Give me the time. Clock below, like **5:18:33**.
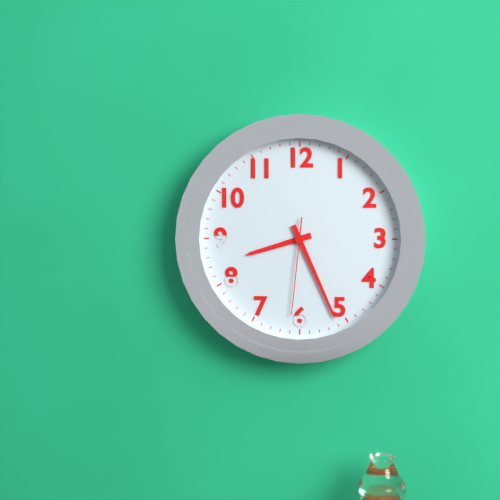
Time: **8:26:31**
